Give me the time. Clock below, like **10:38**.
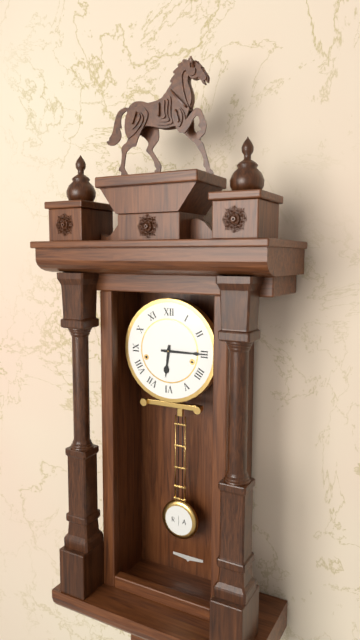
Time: **6:15**
